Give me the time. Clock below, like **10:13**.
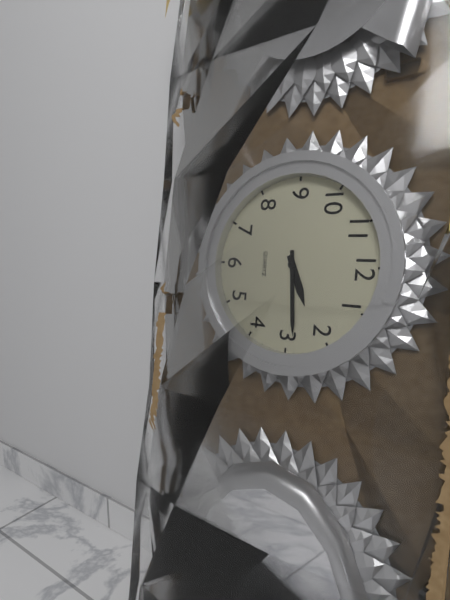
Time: **2:14**
